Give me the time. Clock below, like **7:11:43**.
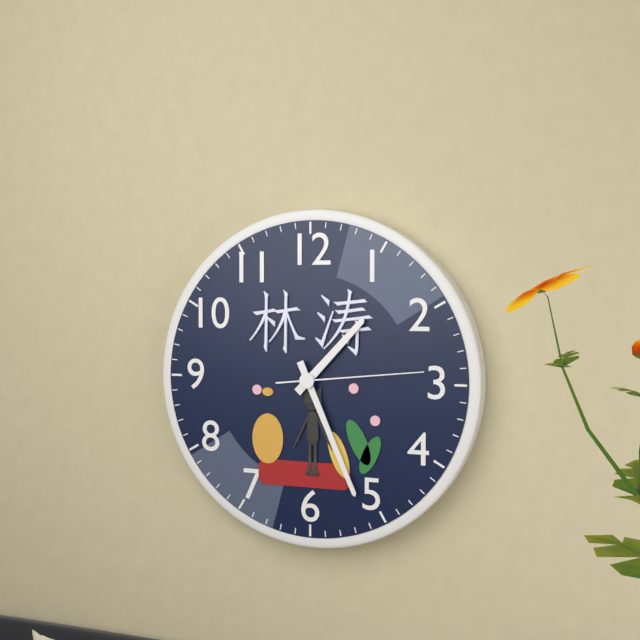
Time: **1:26:14**
